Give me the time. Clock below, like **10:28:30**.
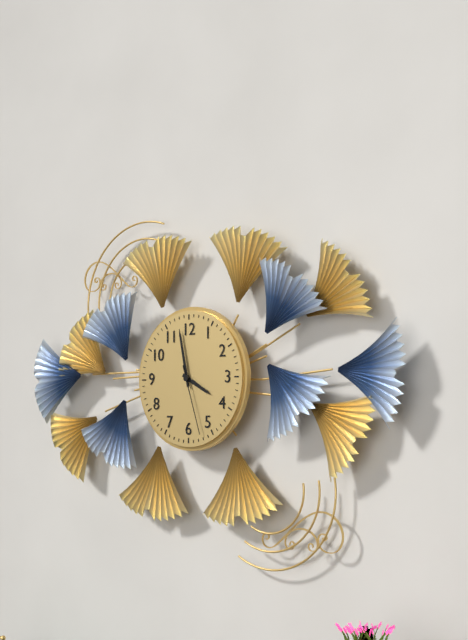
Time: **3:58:27**
